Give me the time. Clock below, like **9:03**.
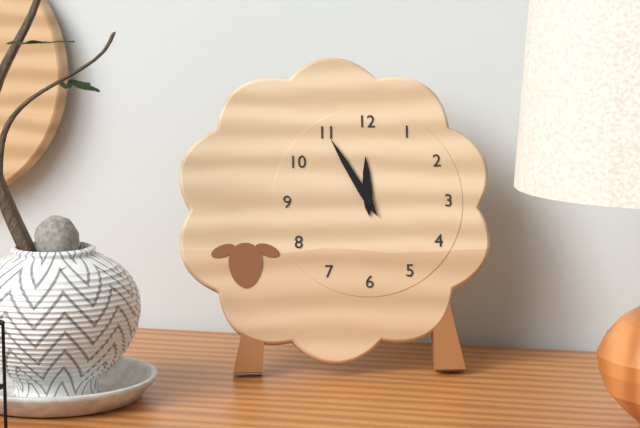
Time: **11:55**
